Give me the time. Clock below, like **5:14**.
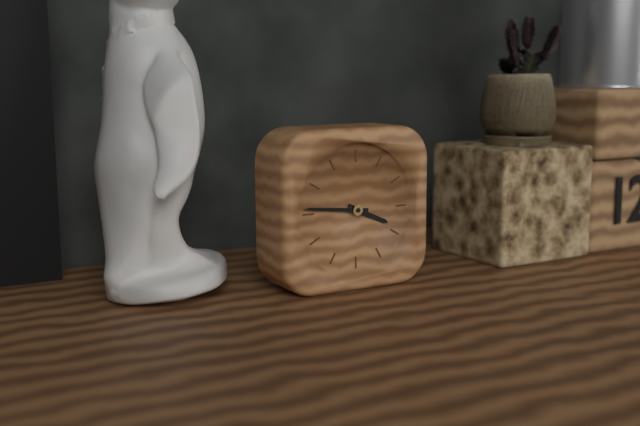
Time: **3:46**
